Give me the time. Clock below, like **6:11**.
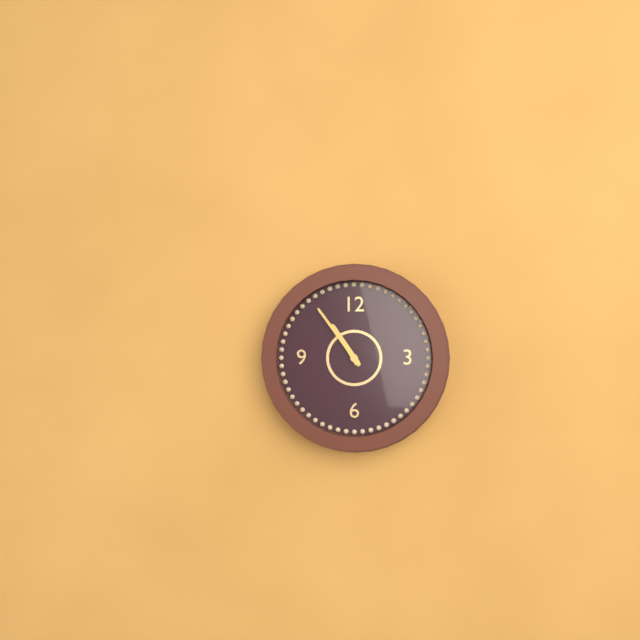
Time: **10:54**
